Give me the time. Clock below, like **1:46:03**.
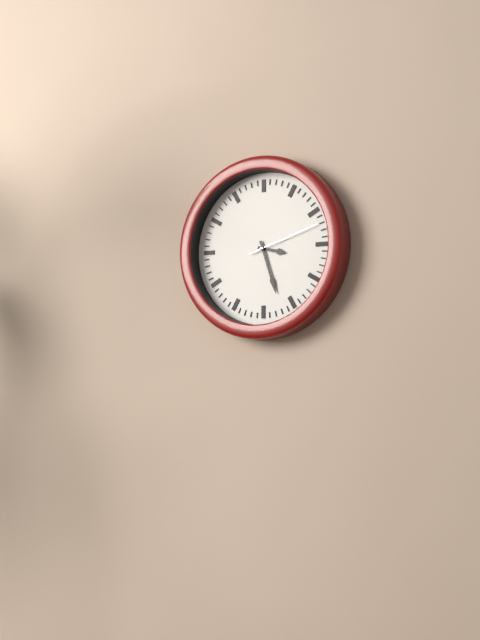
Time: **3:27:12**
